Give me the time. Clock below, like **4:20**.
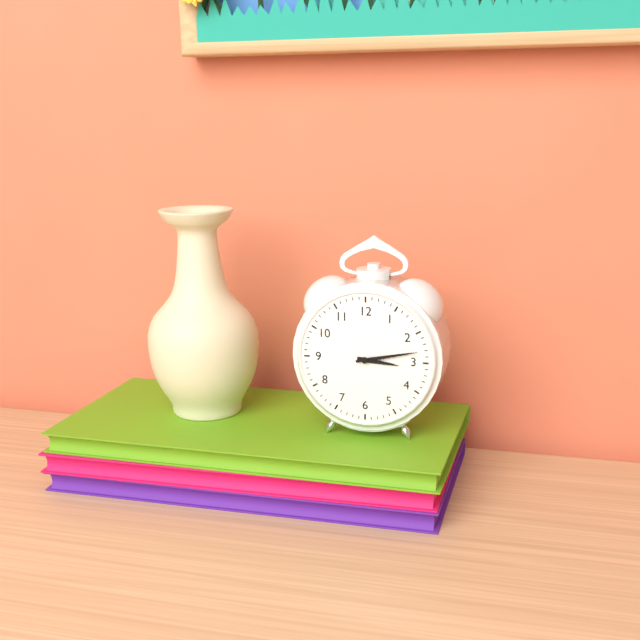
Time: **3:13**
